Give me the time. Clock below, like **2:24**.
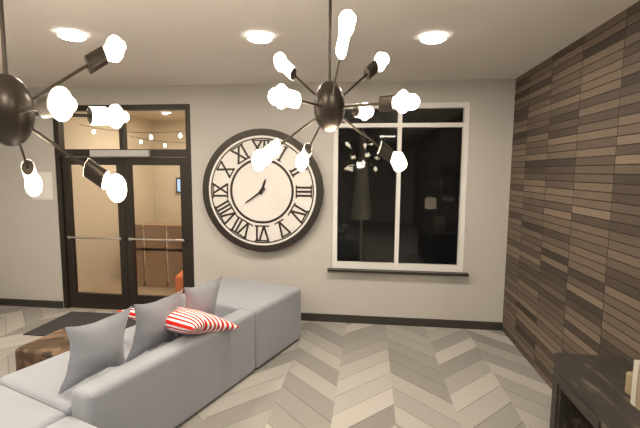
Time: **12:39**
